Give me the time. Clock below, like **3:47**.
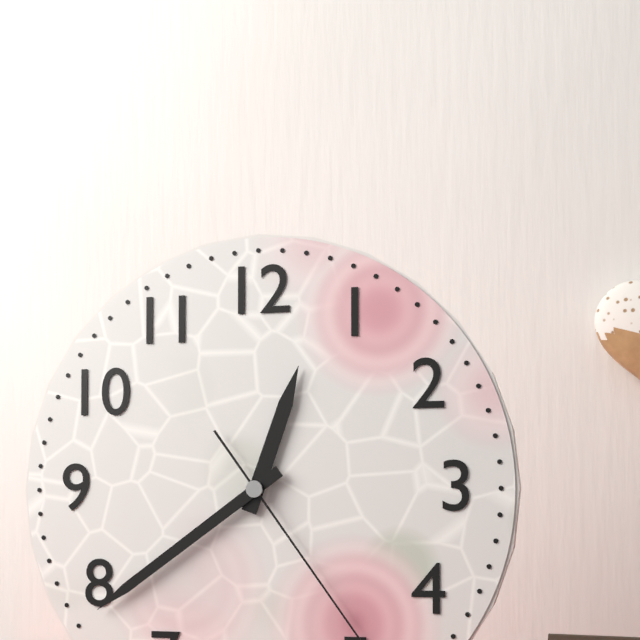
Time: **12:39**
